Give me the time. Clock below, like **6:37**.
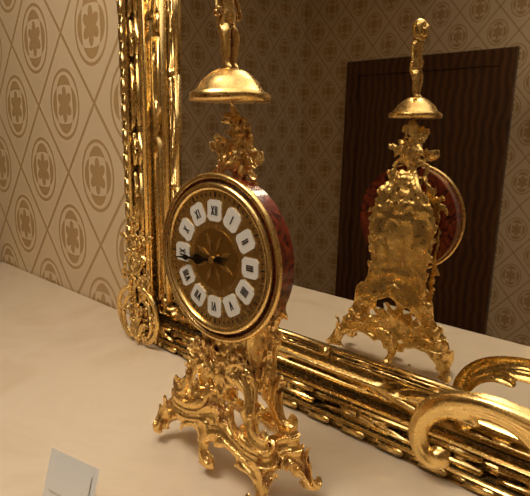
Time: **8:44**
